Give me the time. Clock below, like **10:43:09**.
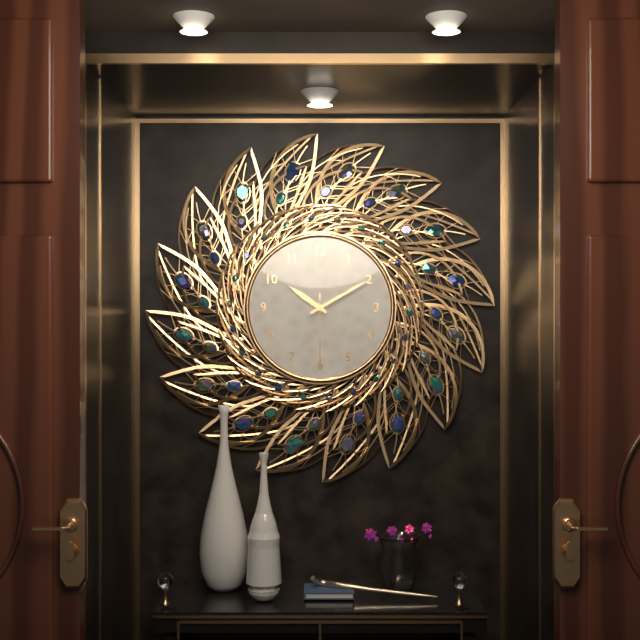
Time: **10:10:30**
